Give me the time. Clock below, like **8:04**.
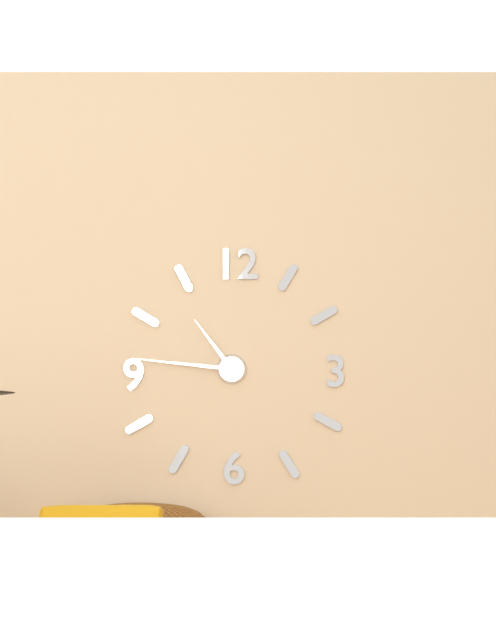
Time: **10:46**
